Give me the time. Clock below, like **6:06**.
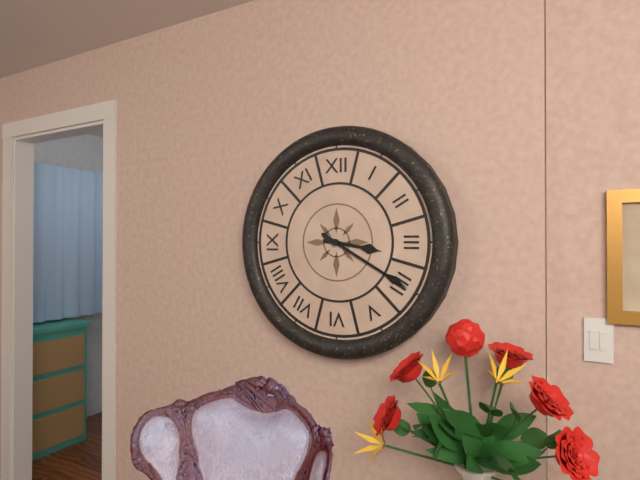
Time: **3:20**
